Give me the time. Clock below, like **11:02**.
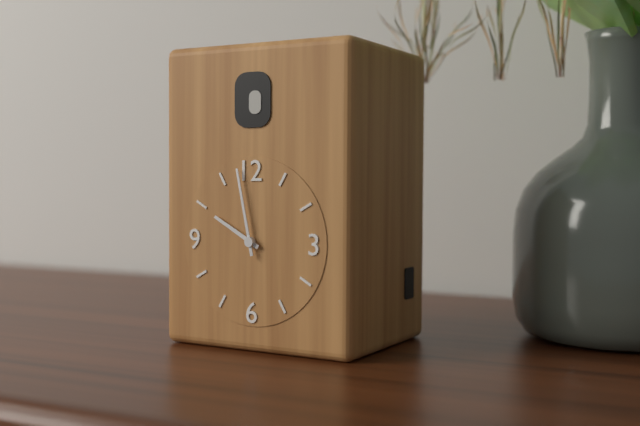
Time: **9:58**
